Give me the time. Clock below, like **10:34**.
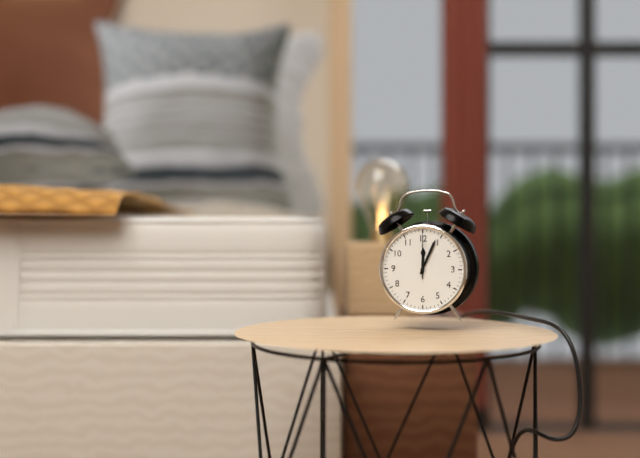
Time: **12:04**
